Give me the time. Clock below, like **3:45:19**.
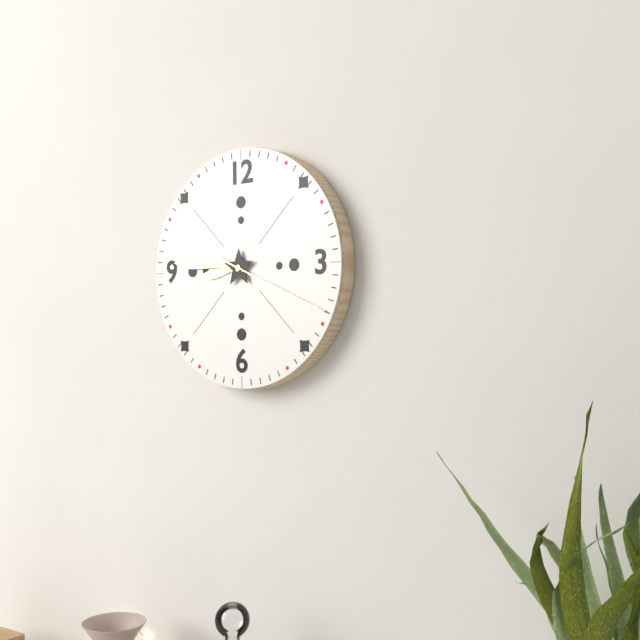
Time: **8:46:19**
